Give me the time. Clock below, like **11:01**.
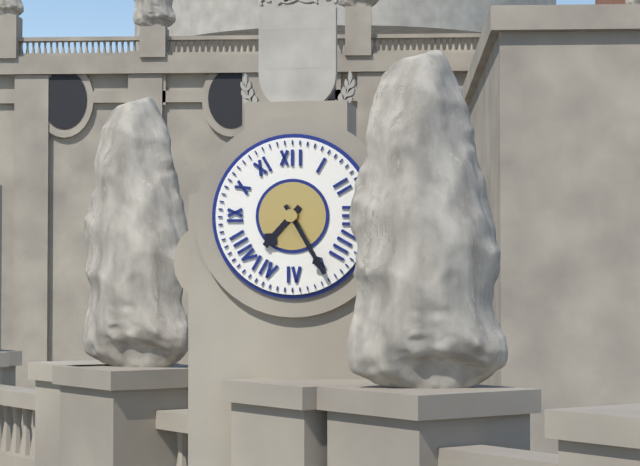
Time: **7:25**
